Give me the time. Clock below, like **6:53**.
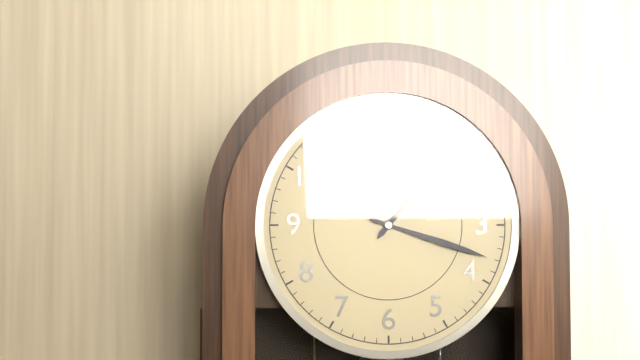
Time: **1:18**
